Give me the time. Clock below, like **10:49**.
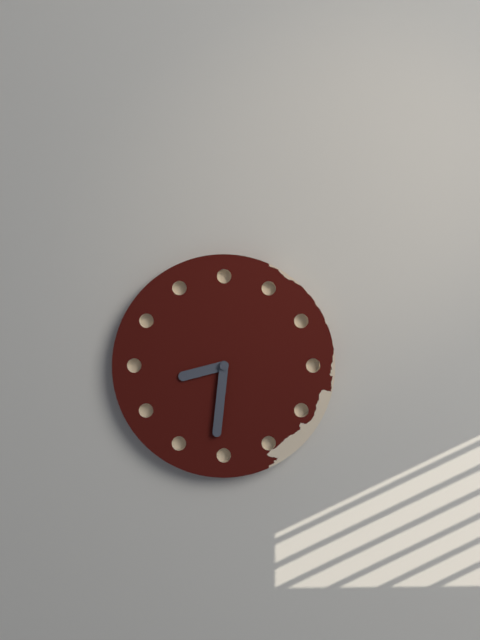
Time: **8:31**
